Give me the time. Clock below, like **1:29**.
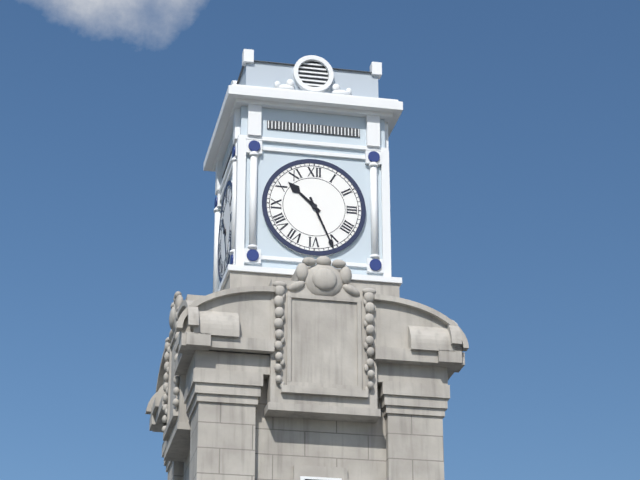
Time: **10:26**
